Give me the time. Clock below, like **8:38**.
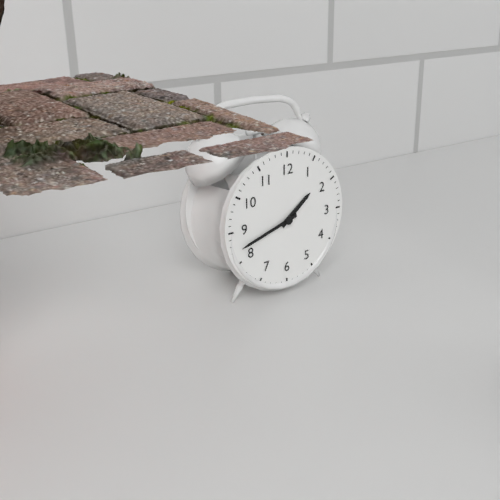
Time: **1:42**
